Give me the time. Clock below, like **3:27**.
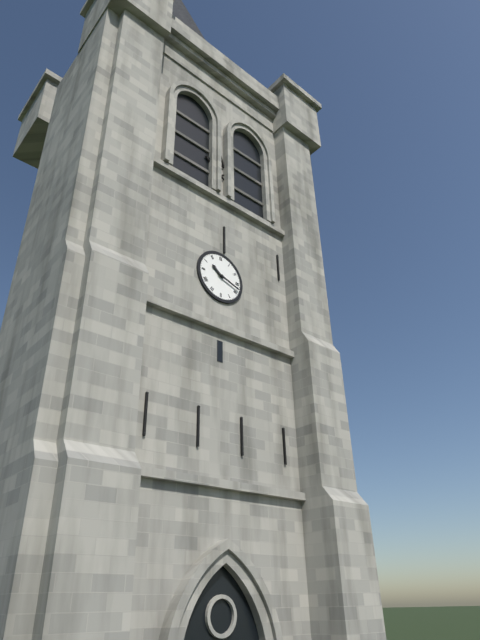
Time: **10:18**
